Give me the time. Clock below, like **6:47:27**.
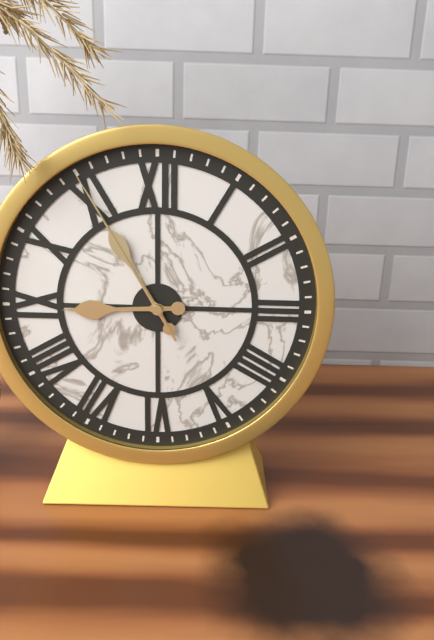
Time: **8:55:55**
